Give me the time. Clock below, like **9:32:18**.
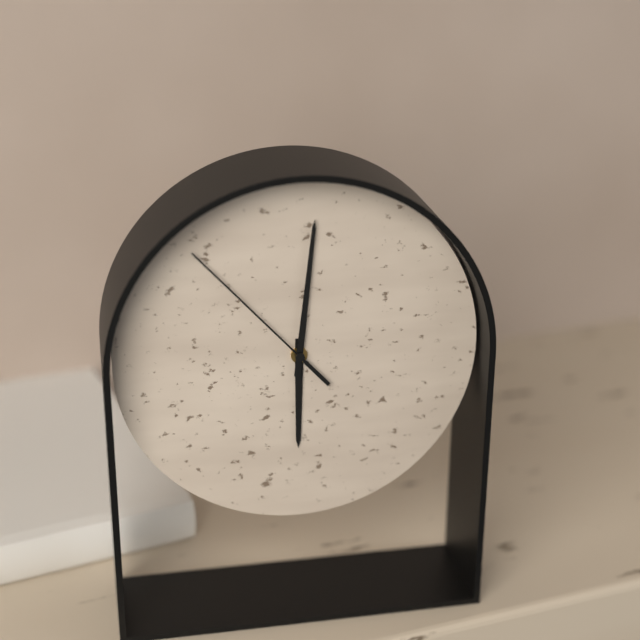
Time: **6:01:53**
